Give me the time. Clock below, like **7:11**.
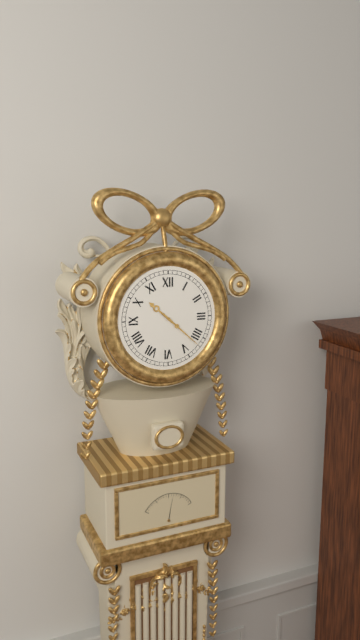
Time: **10:22**
